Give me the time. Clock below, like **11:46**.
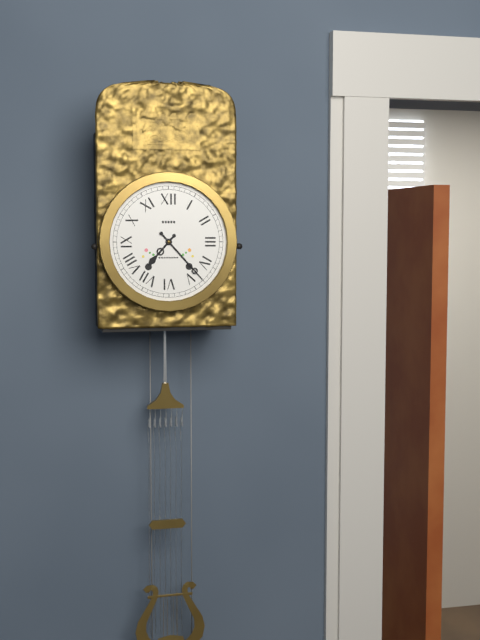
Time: **7:23**
